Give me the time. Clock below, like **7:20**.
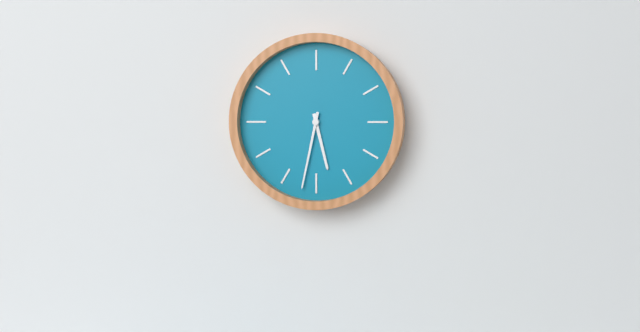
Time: **5:32**
